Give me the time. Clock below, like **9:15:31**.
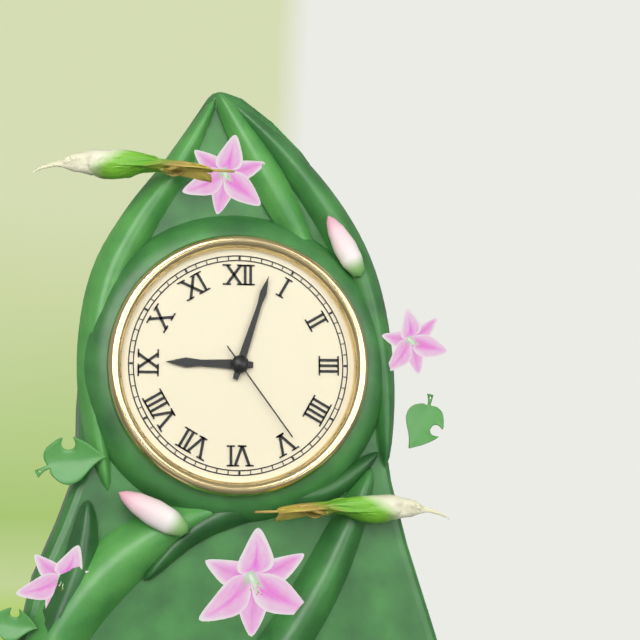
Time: **9:03:24**
